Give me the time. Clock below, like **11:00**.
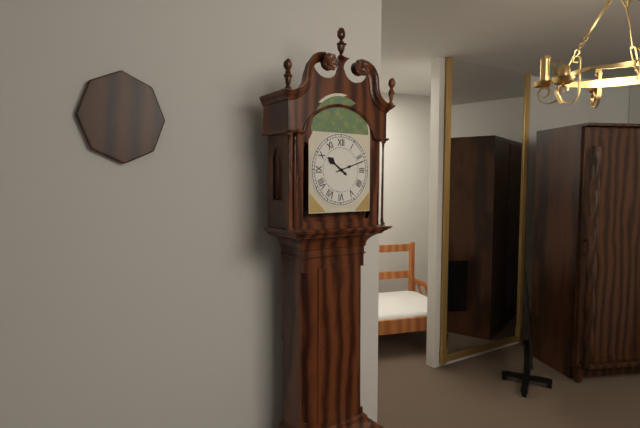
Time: **10:12**
